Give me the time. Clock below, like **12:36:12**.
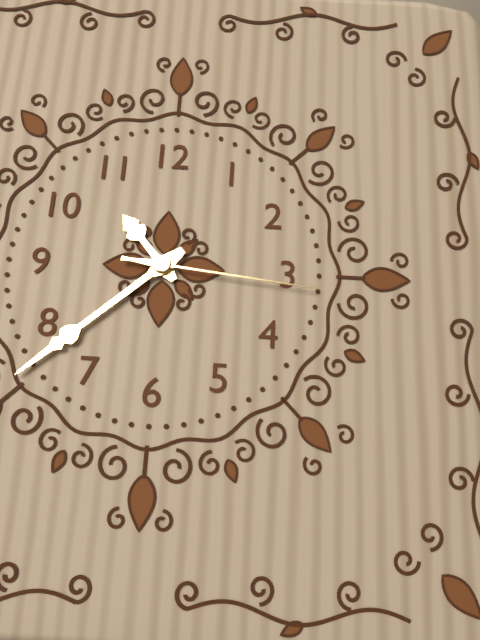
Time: **10:38:16**
